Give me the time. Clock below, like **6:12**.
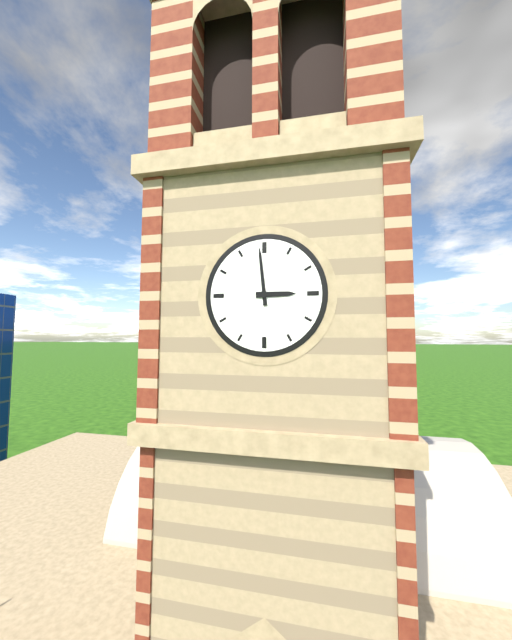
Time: **2:59**
